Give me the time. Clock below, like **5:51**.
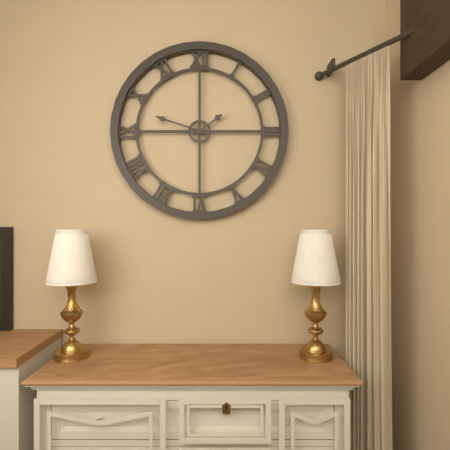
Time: **1:48**
